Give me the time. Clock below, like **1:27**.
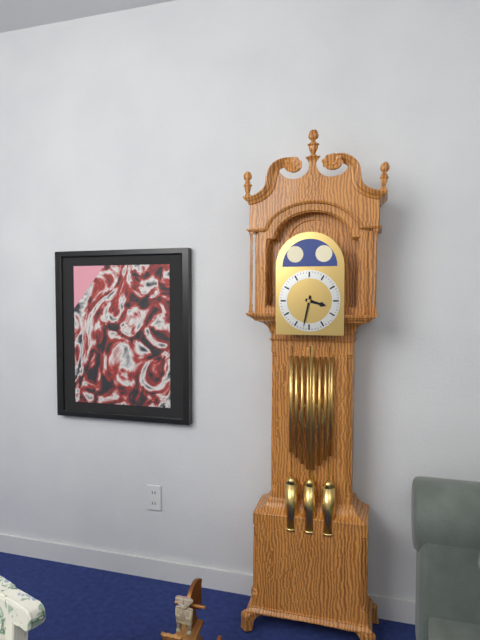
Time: **3:32**
